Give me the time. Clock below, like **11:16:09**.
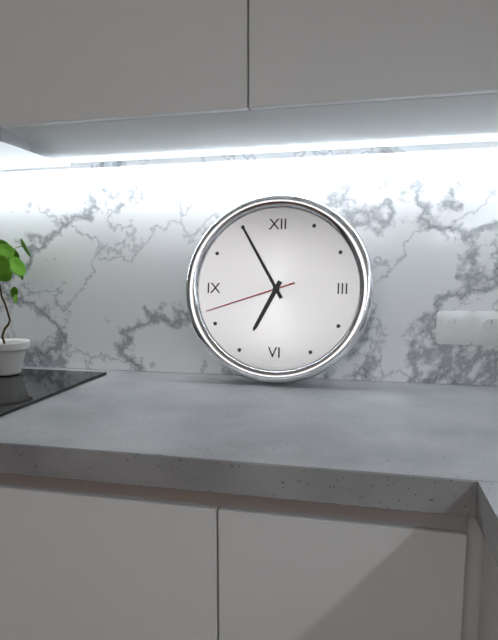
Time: **6:55:42**
